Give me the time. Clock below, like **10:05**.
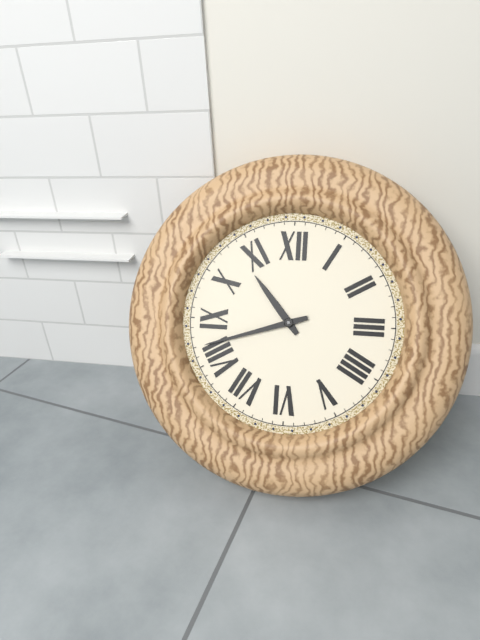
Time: **10:42**
